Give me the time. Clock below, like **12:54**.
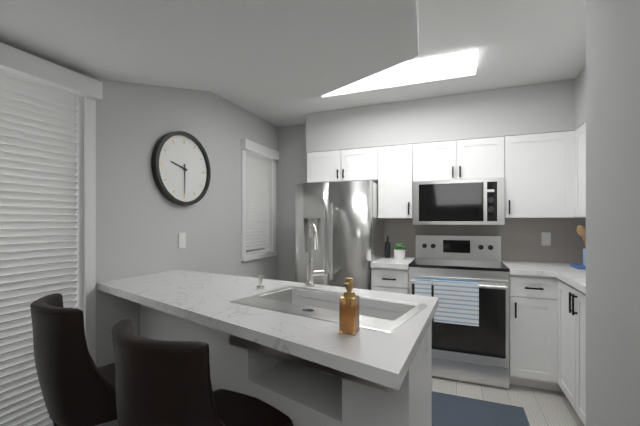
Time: **9:30**
